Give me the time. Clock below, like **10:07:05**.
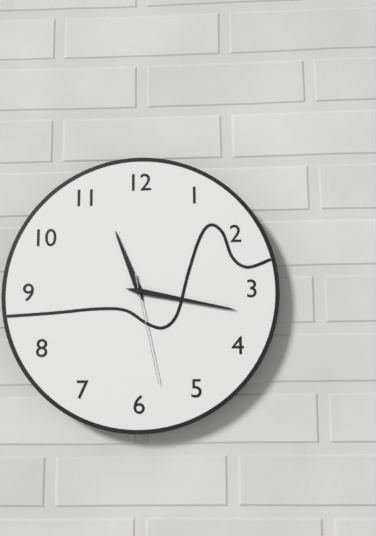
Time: **11:17:28**
